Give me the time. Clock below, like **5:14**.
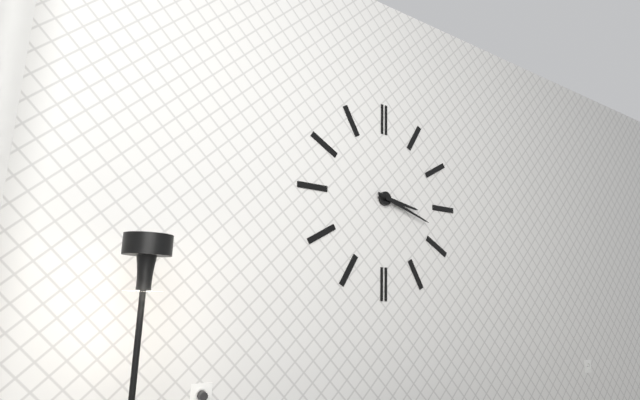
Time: **3:18**
